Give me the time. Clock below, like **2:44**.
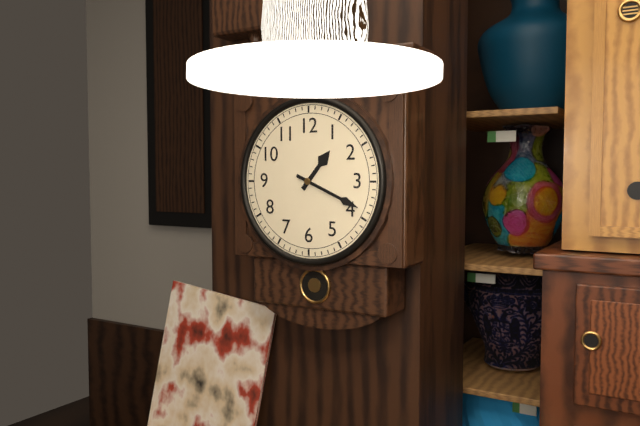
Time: **1:19**
